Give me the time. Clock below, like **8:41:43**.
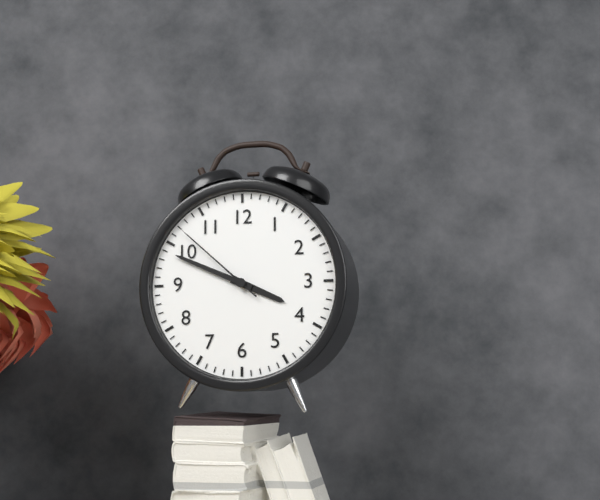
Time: **3:49:52**
